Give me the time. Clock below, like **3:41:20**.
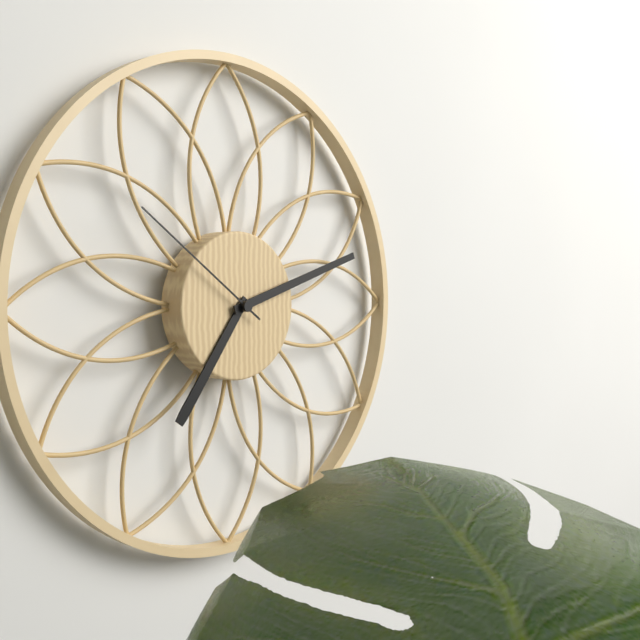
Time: **7:12:51**
